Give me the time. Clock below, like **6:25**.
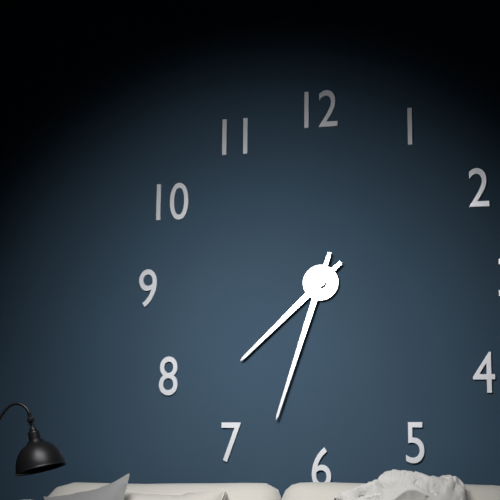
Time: **7:33**
